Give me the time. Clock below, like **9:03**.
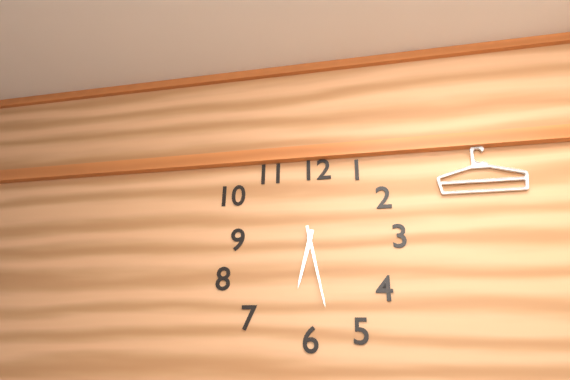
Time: **6:28**
